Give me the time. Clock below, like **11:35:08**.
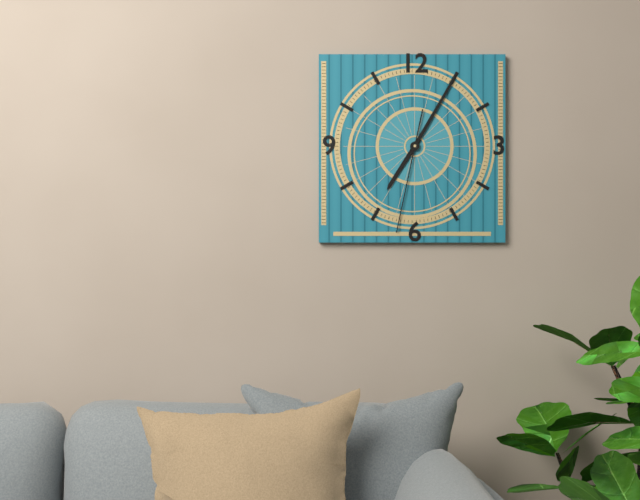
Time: **7:05:32**
